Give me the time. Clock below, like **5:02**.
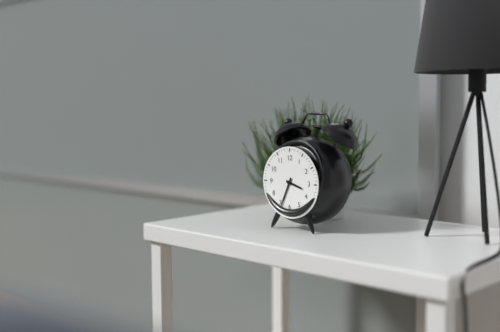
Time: **3:34**
